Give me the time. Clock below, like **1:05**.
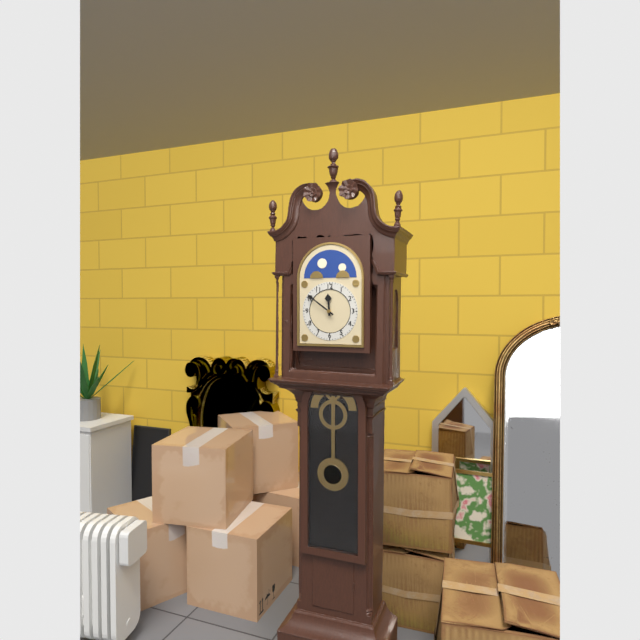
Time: **11:51**
